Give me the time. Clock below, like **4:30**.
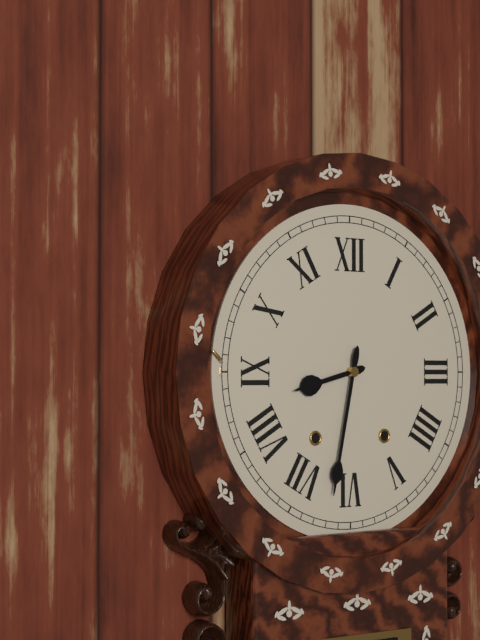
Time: **8:32**
